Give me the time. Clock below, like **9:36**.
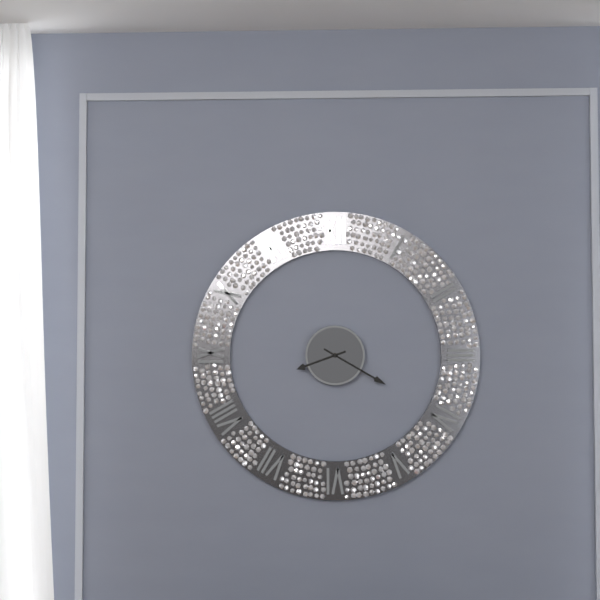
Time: **8:20**
